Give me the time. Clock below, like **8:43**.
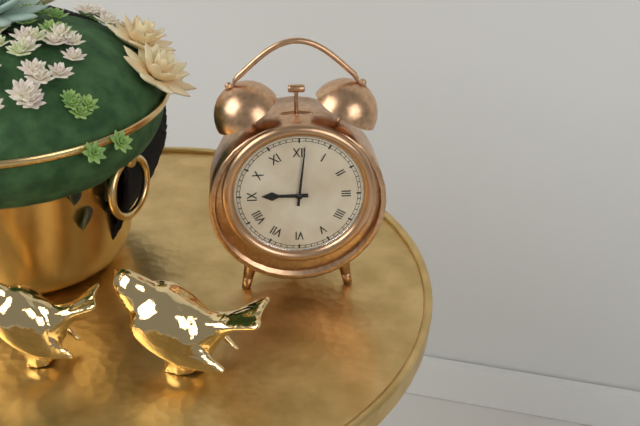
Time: **9:01**
